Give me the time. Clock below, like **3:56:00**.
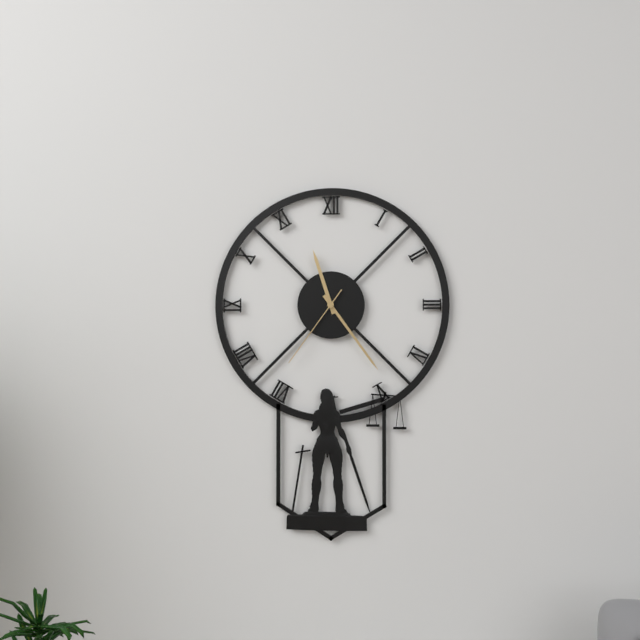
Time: **11:24:36**
